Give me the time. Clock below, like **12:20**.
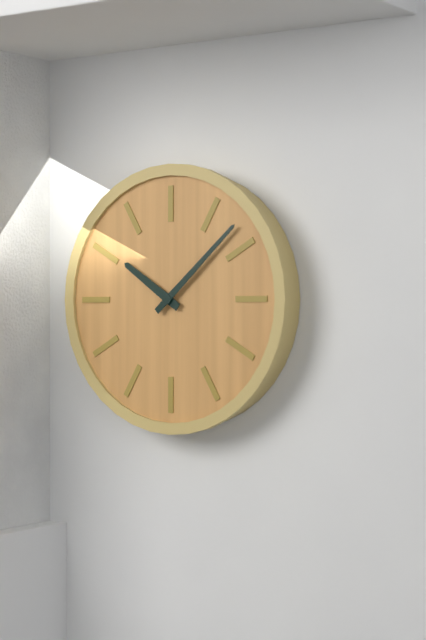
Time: **10:08**
